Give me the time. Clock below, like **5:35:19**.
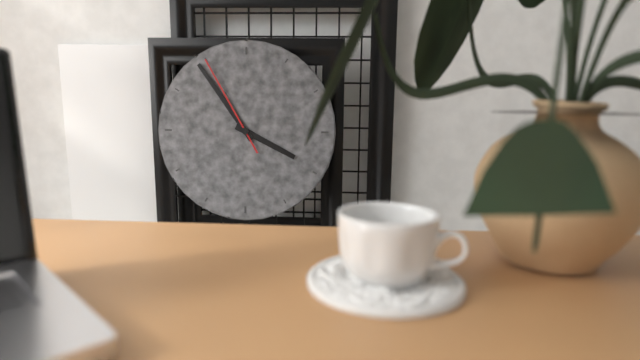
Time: **3:54:55**
